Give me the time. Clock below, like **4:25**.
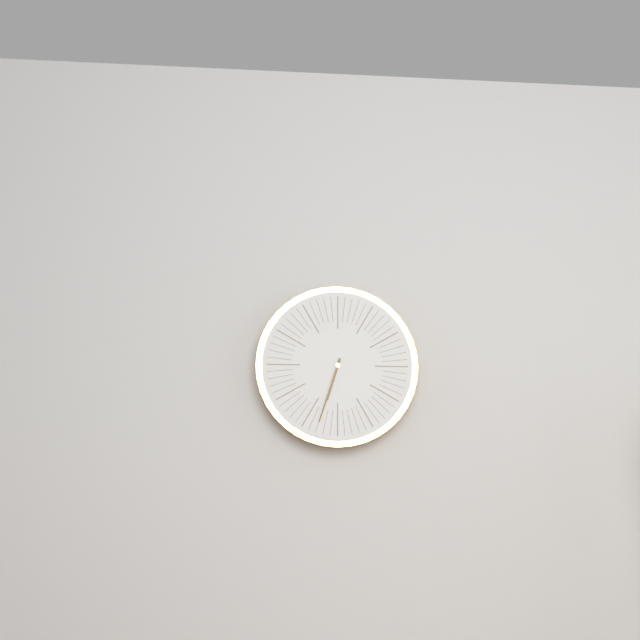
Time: **6:33**
